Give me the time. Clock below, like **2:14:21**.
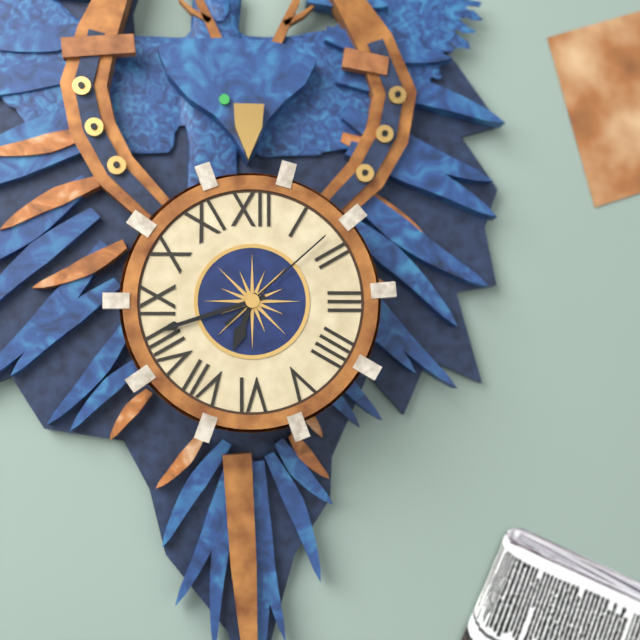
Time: **6:42:08**
